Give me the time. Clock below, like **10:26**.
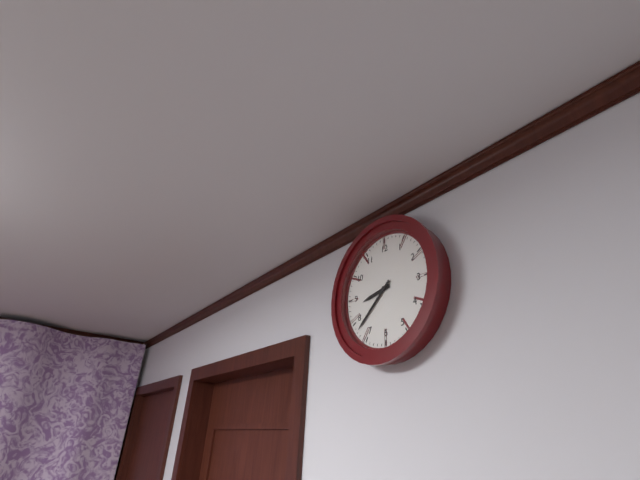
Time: **8:38**
